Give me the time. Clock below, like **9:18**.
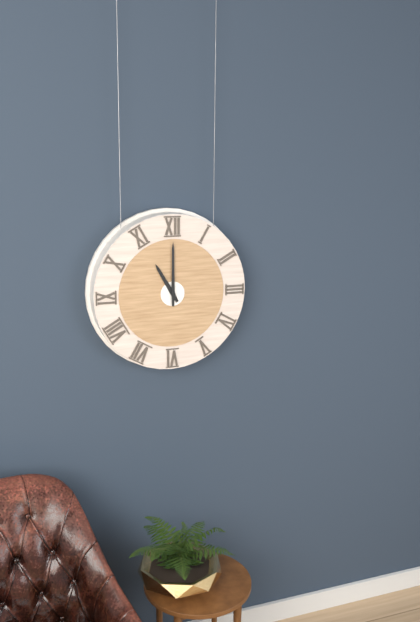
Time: **11:00**
